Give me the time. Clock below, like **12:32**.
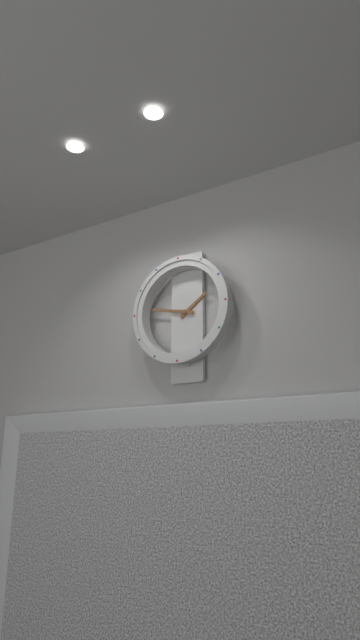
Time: **1:47**
